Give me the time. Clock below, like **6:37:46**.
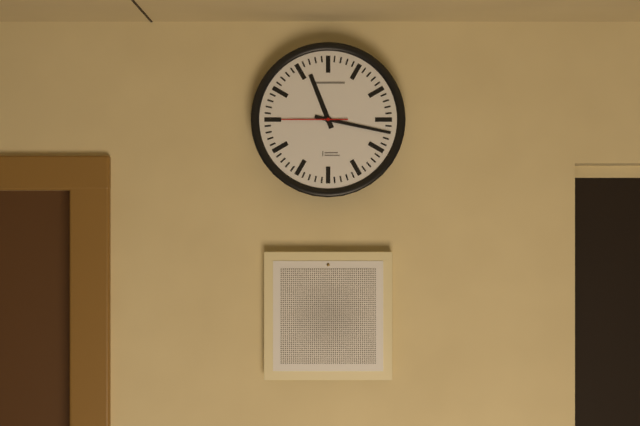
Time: **11:17:45**
